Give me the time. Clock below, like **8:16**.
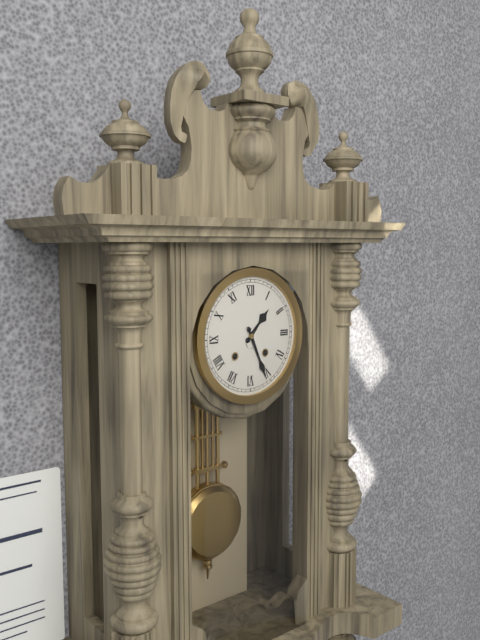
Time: **1:26**
